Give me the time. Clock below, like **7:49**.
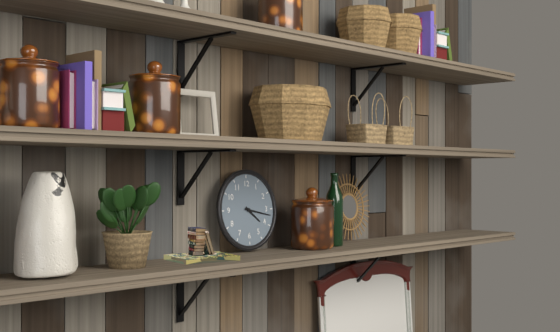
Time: **4:17**
